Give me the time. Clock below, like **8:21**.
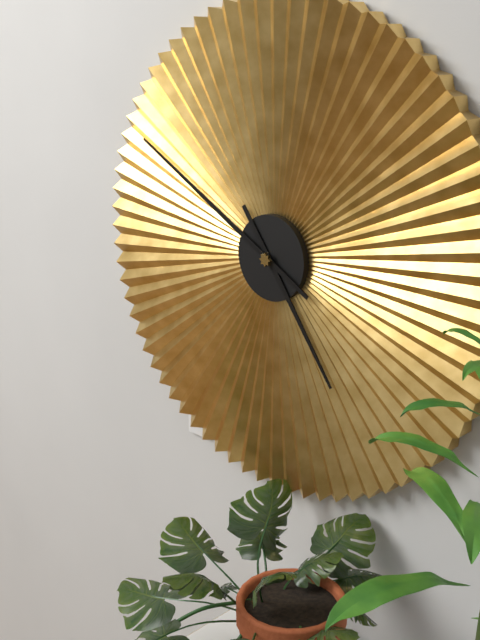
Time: **4:50**
